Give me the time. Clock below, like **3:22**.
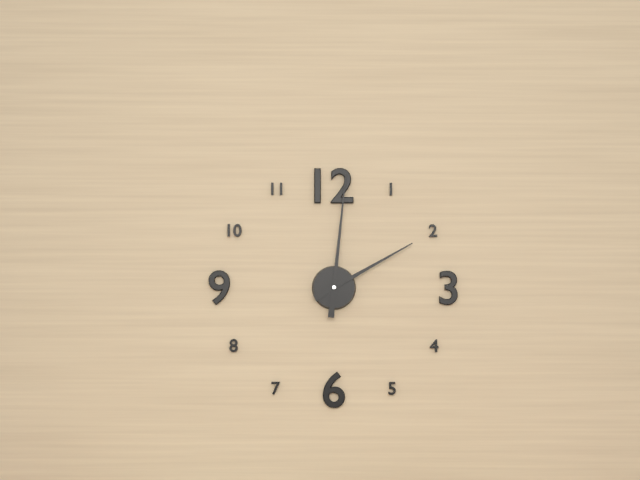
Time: **2:01**
